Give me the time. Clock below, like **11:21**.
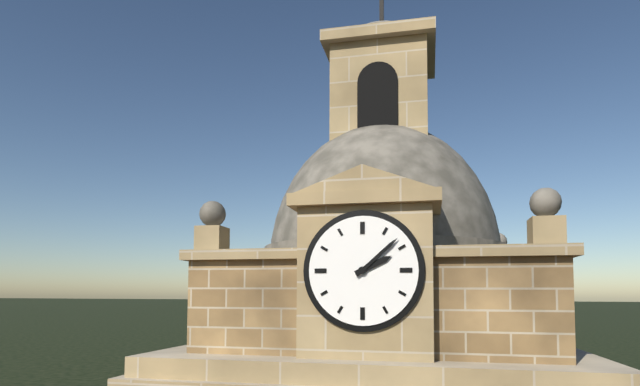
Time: **2:08**
